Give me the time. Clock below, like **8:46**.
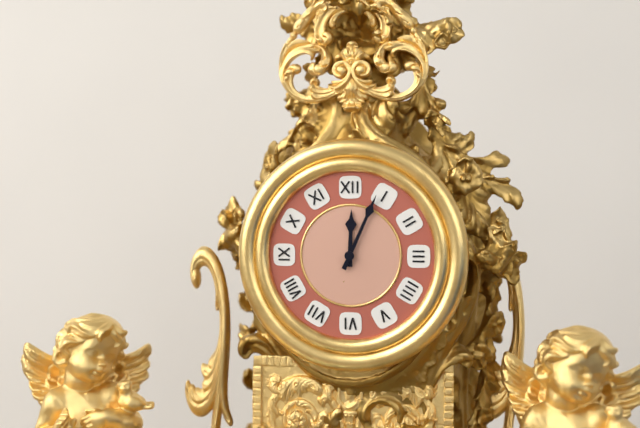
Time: **12:04**
